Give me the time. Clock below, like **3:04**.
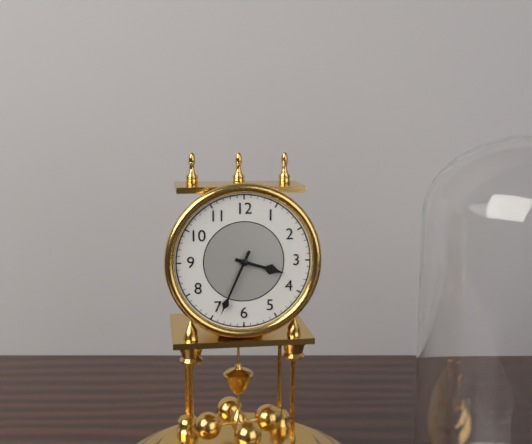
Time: **3:34**
